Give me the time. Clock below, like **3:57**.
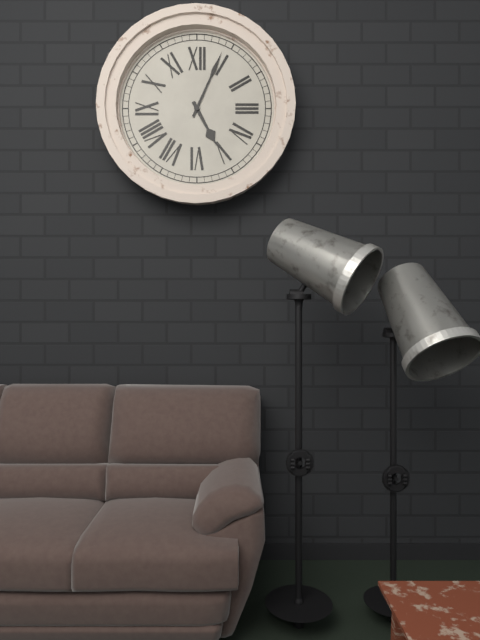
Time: **5:04**
